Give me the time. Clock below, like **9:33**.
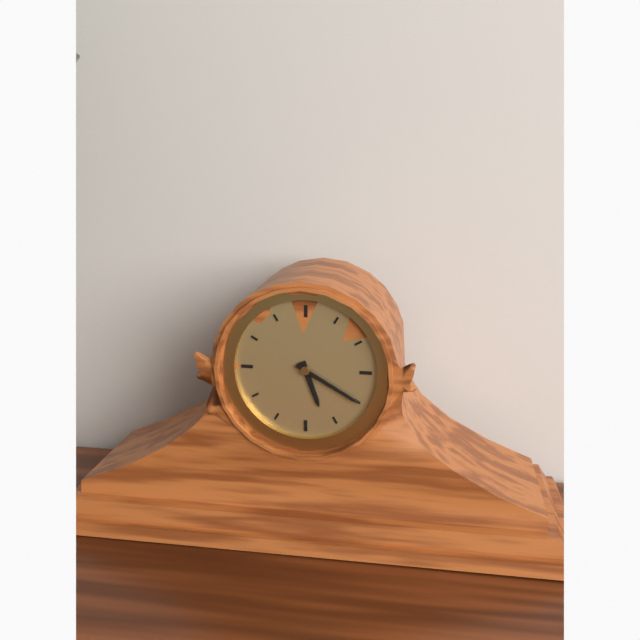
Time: **5:20**
